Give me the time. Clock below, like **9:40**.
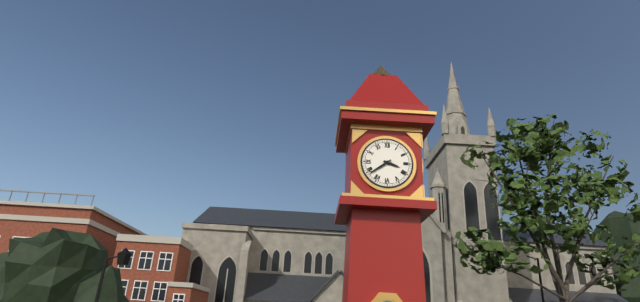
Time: **3:39**
